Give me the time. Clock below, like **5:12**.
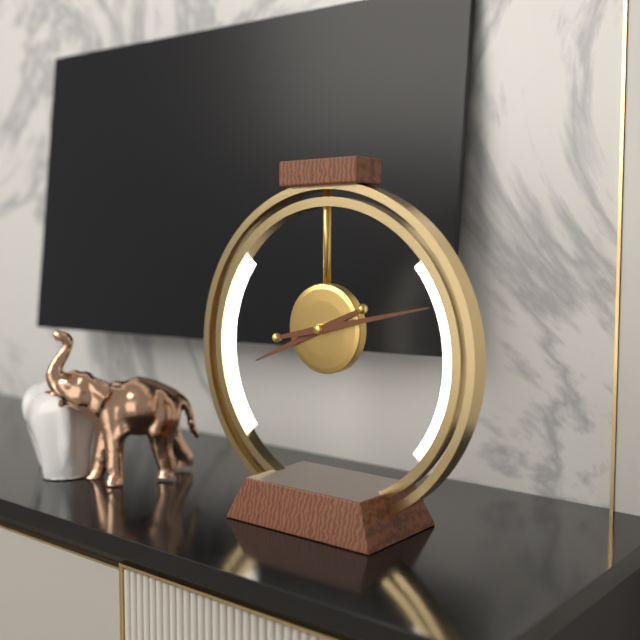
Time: **8:13**
